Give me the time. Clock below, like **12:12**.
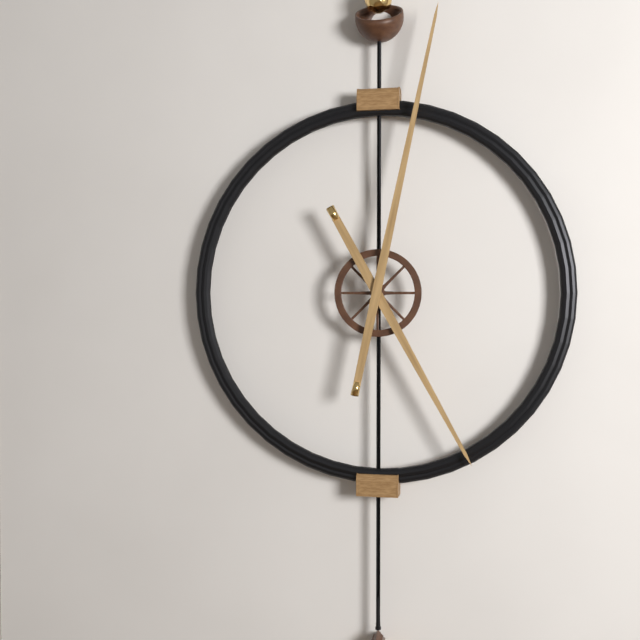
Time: **5:02**
